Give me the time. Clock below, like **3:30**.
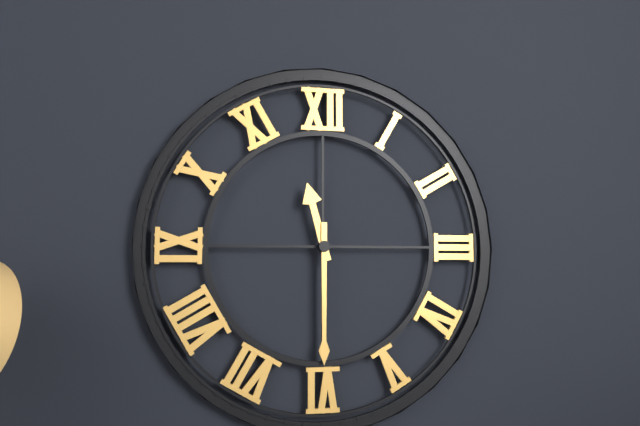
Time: **11:30**
